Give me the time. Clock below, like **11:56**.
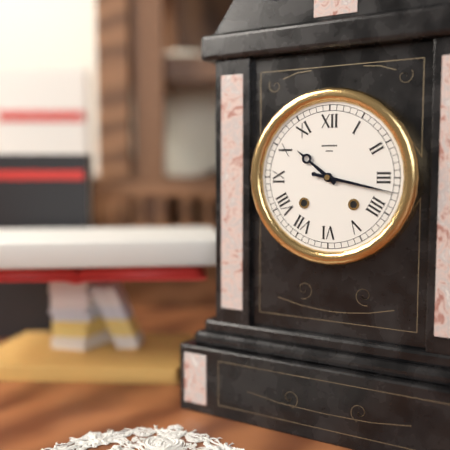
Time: **10:17**
